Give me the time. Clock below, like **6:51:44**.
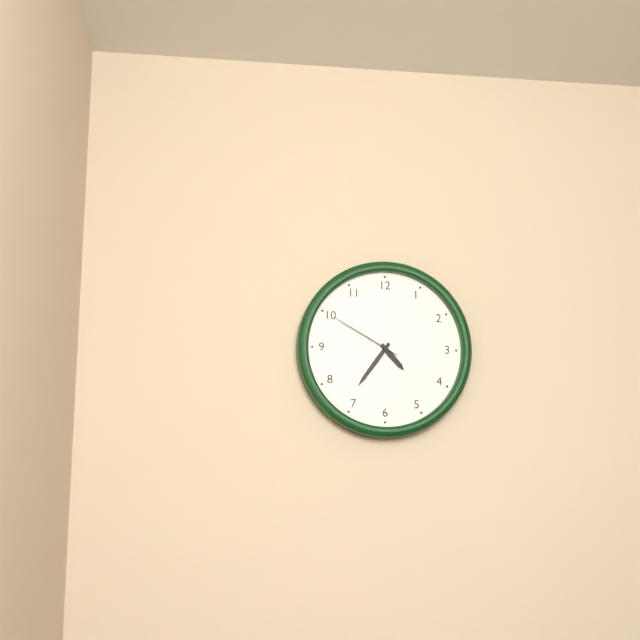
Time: **4:36:50**
